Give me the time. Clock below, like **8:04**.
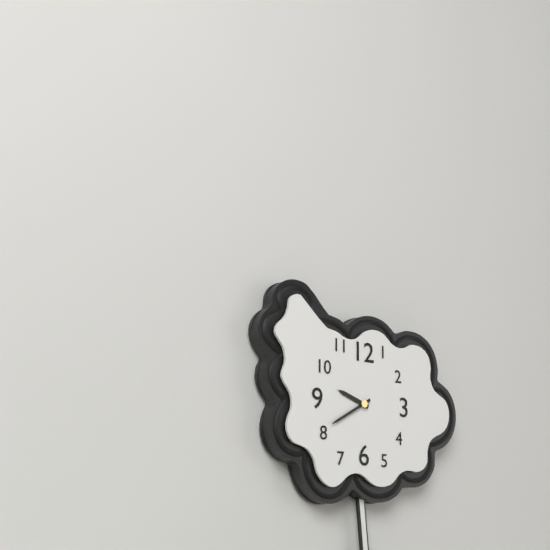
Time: **9:40**
